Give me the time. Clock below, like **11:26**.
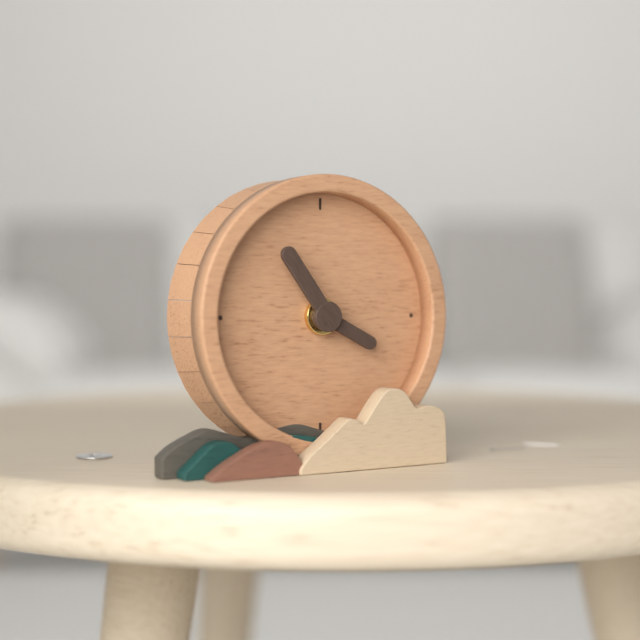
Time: **3:54**
